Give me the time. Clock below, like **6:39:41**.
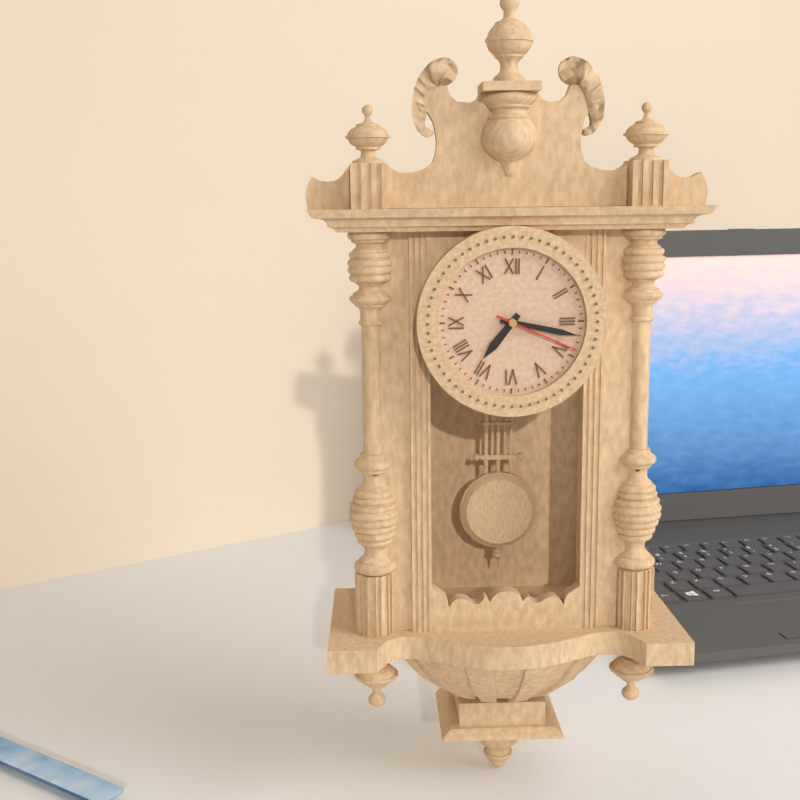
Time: **7:17:19**
